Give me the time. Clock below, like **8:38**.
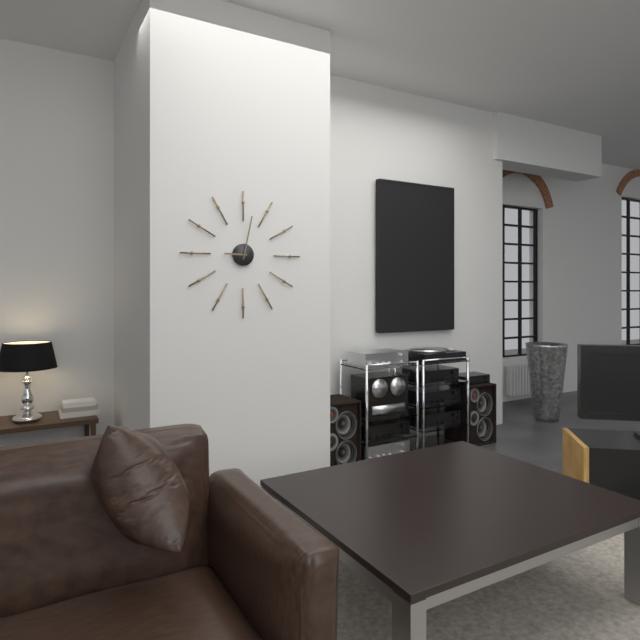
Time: **9:02**
